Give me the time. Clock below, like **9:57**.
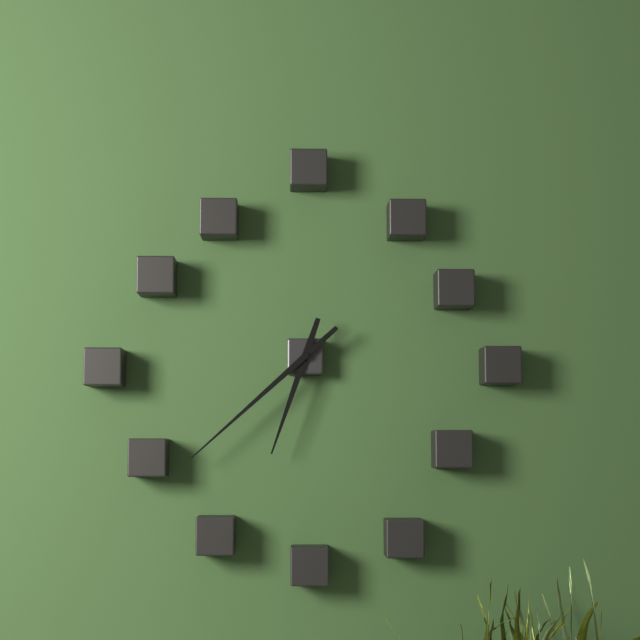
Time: **6:38**
